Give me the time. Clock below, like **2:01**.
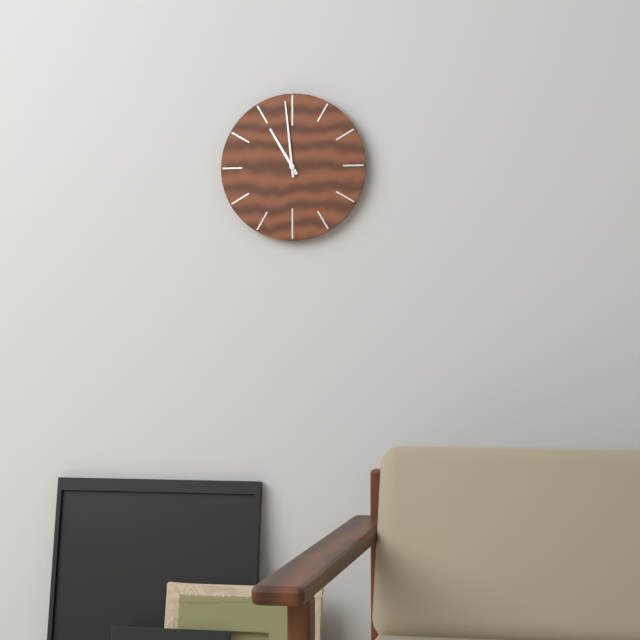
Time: **10:59**
